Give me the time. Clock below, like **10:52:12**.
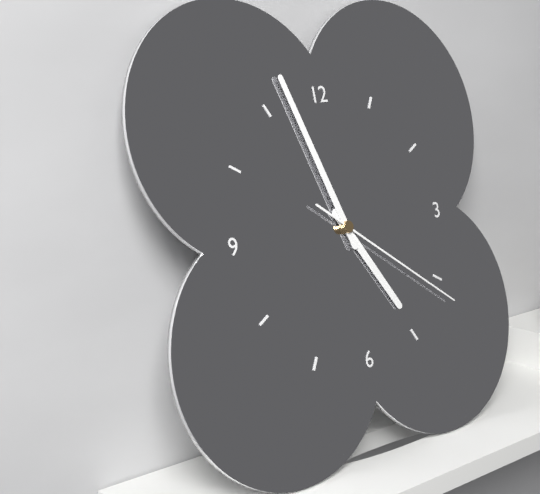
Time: **4:57:21**
